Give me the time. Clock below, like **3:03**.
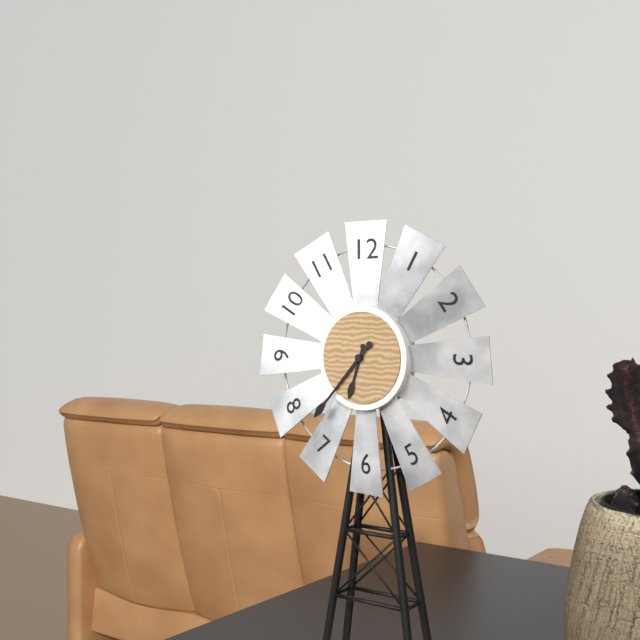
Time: **6:37**
